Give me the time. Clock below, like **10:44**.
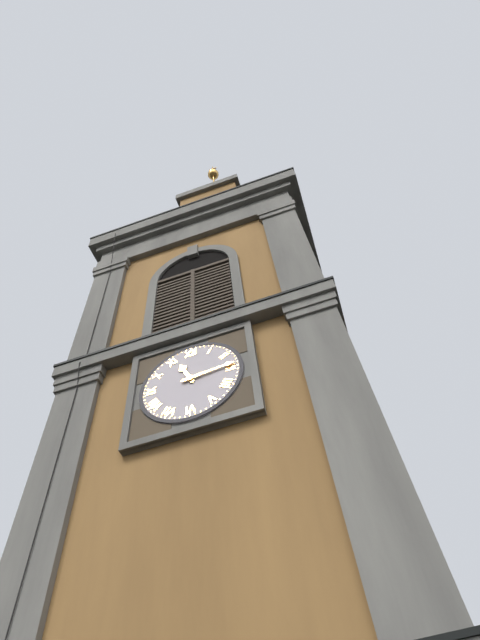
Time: **11:14**
